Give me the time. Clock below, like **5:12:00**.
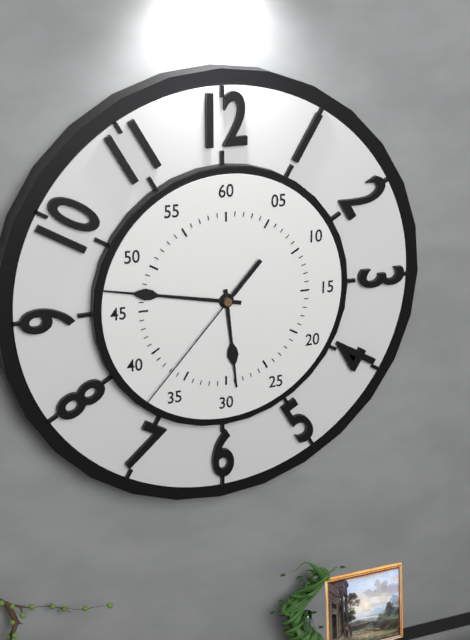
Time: **5:47:37**
